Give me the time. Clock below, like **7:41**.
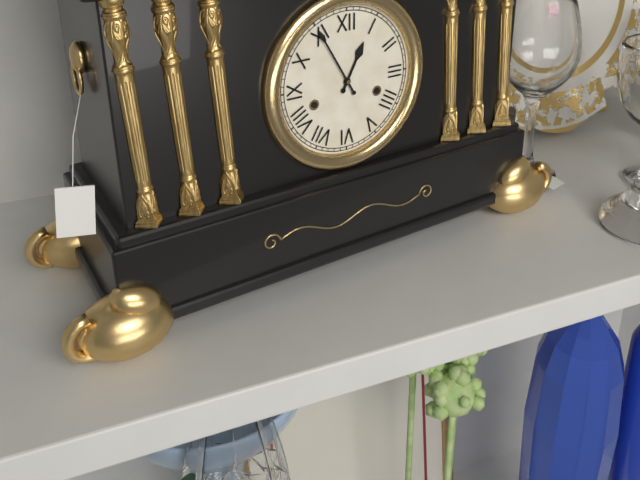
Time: **12:55**
